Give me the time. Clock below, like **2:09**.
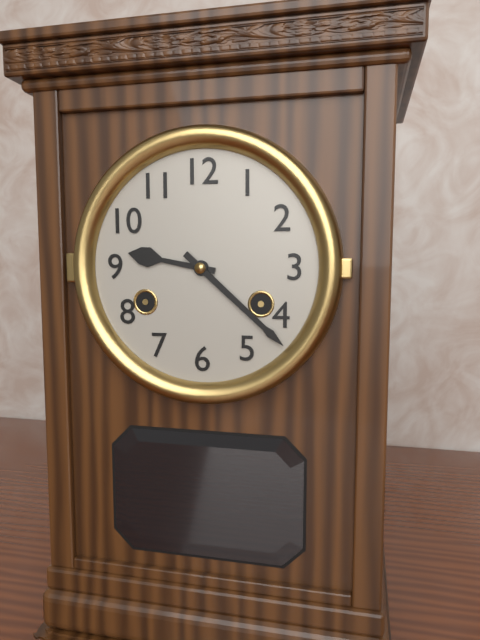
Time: **9:22**
